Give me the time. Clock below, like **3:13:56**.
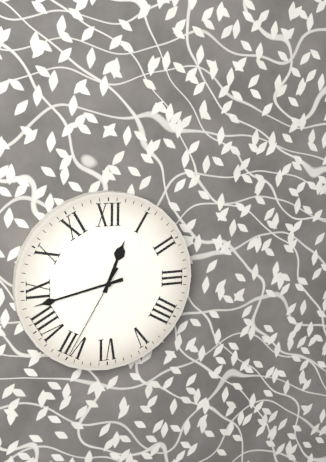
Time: **12:43:35**
